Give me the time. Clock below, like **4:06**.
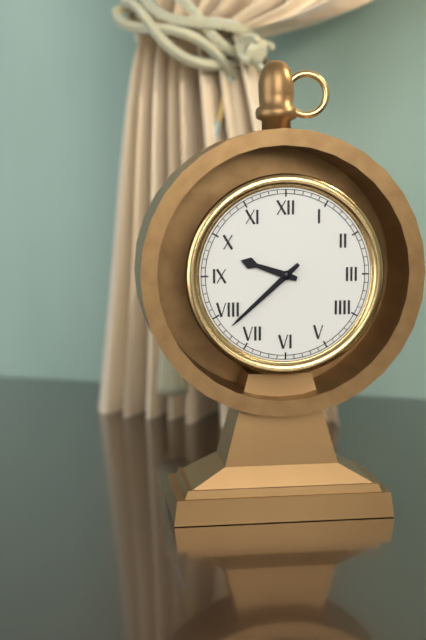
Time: **9:38**
